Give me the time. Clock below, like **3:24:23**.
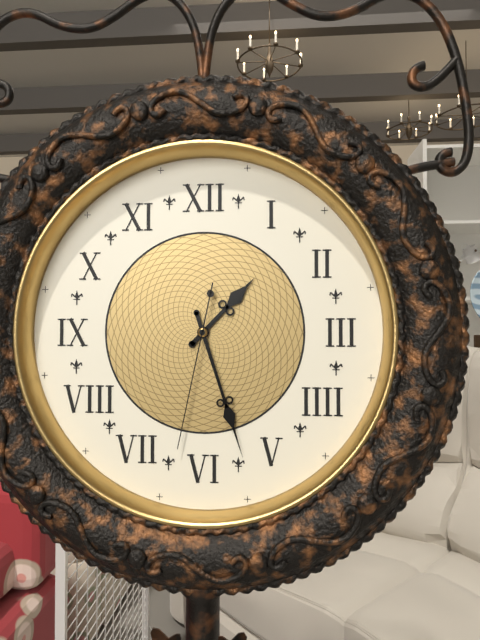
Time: **1:27:32**
